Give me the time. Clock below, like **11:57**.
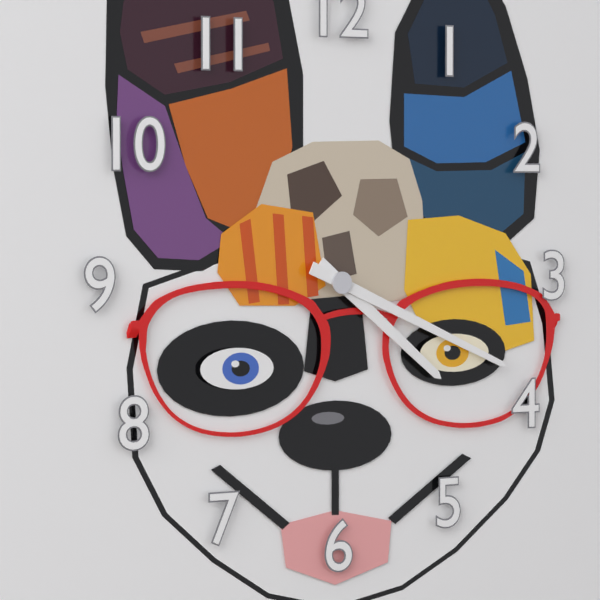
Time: **4:19**
